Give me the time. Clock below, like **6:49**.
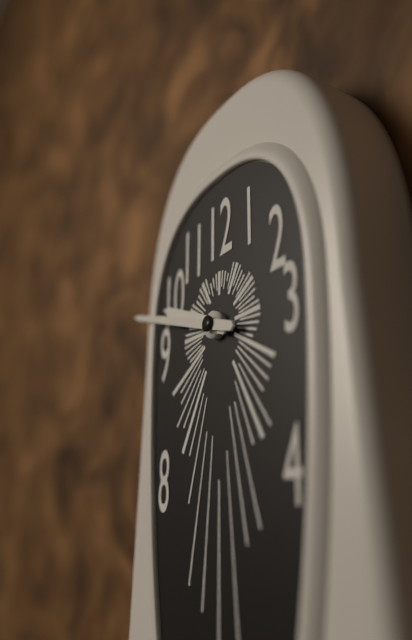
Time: **9:48**
